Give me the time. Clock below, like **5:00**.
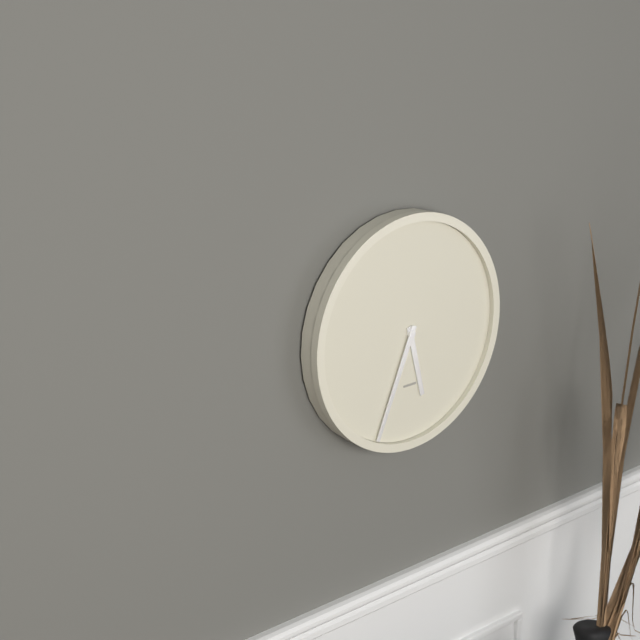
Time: **5:34**
